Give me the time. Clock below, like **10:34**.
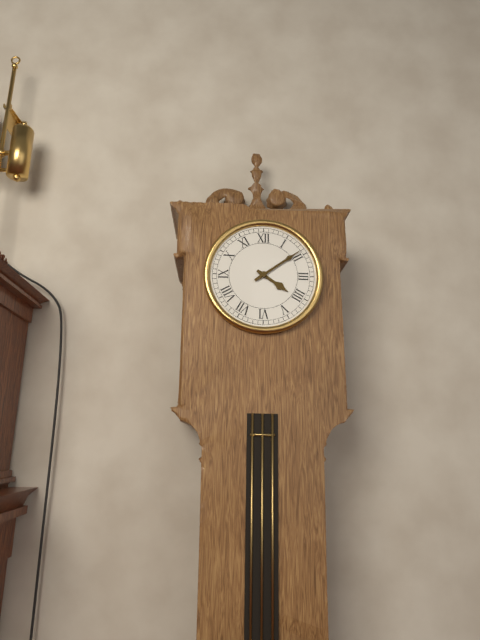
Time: **4:09**
